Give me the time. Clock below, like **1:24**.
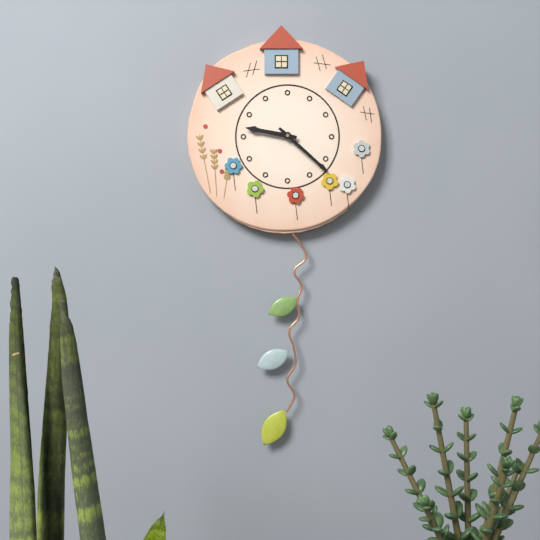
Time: **9:22**
